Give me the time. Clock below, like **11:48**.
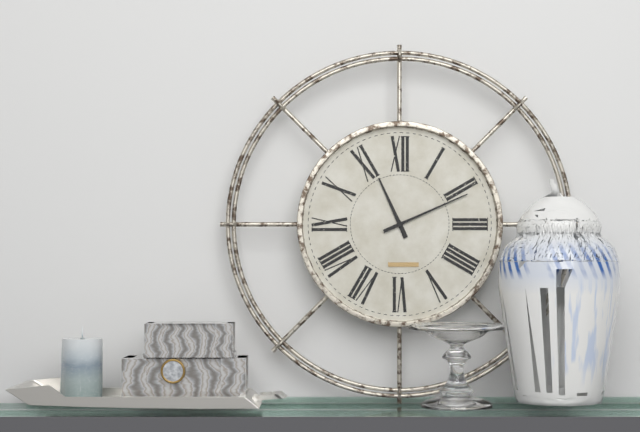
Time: **11:11**
